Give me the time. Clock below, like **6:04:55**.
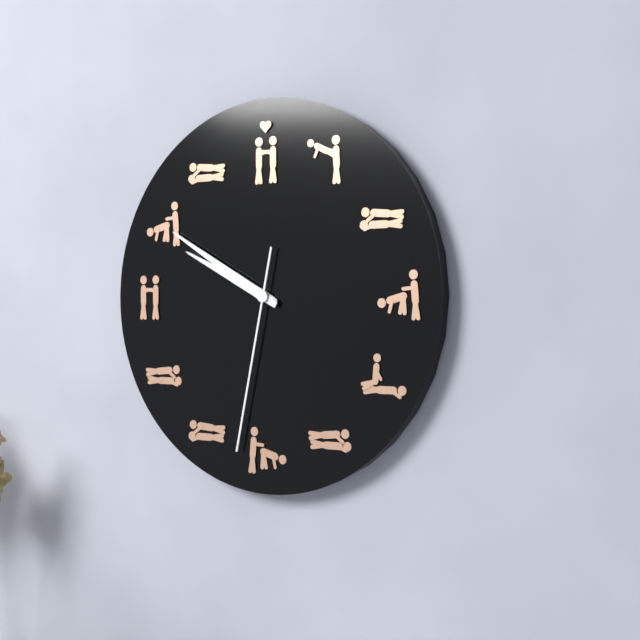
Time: **9:50:32**
